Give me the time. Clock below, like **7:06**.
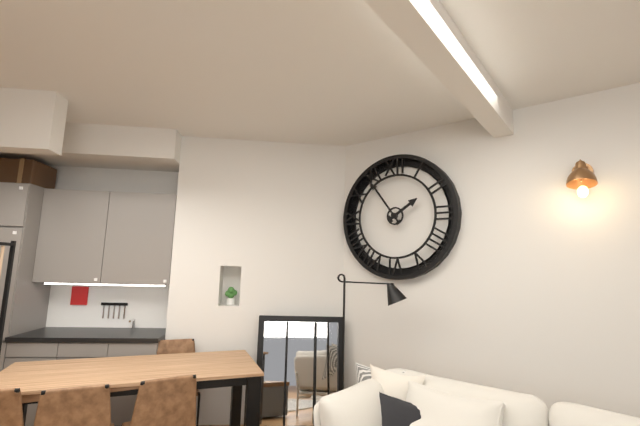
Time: **1:54**
